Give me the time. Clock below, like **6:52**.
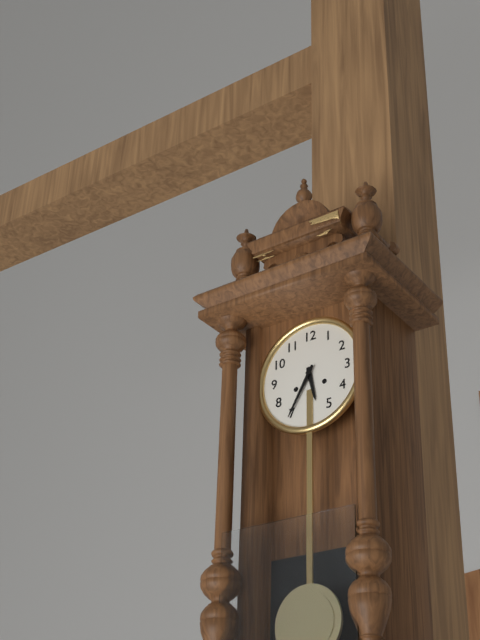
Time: **5:35**
